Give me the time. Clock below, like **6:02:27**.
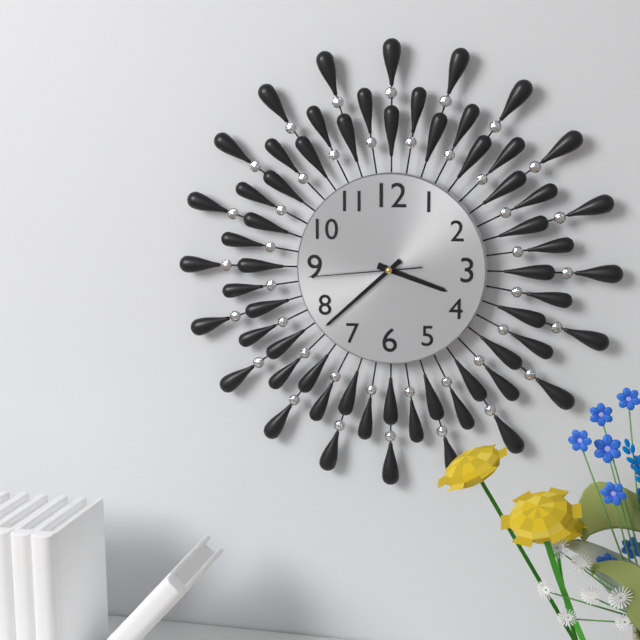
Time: **3:38:44**
